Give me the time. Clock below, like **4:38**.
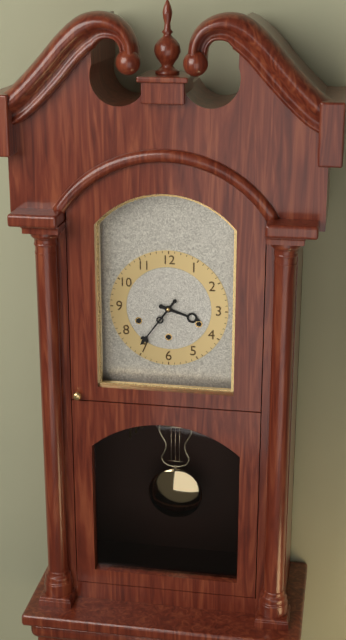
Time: **3:36**
